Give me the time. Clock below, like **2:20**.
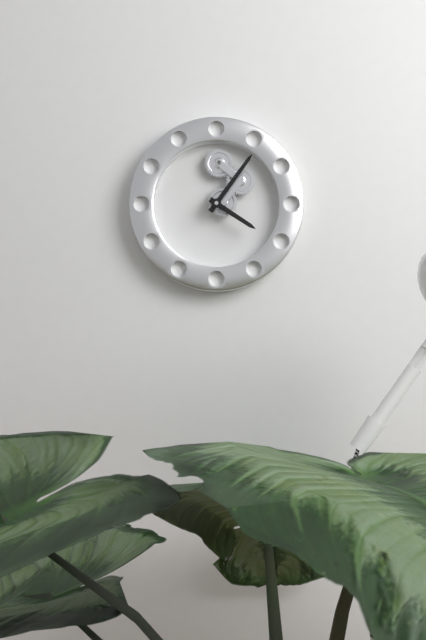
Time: **4:06**
